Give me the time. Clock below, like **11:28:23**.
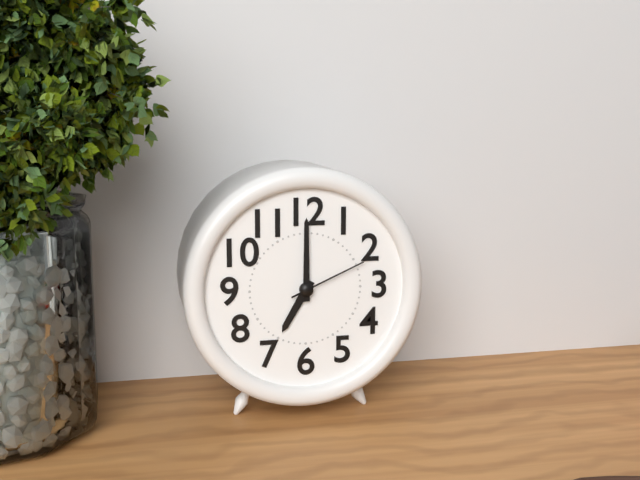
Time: **7:00:11**
